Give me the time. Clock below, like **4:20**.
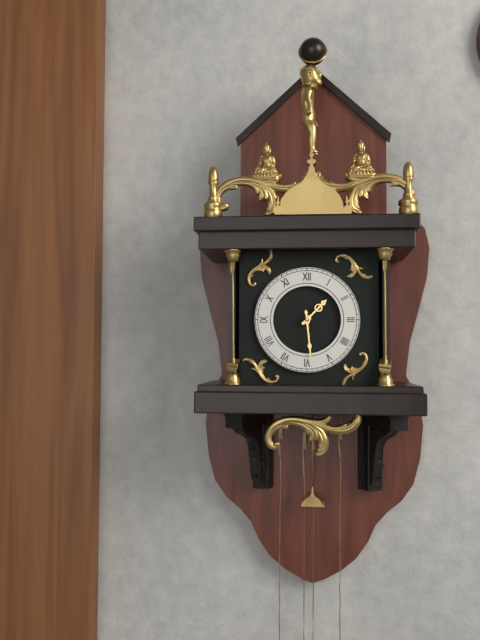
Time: **1:29**
